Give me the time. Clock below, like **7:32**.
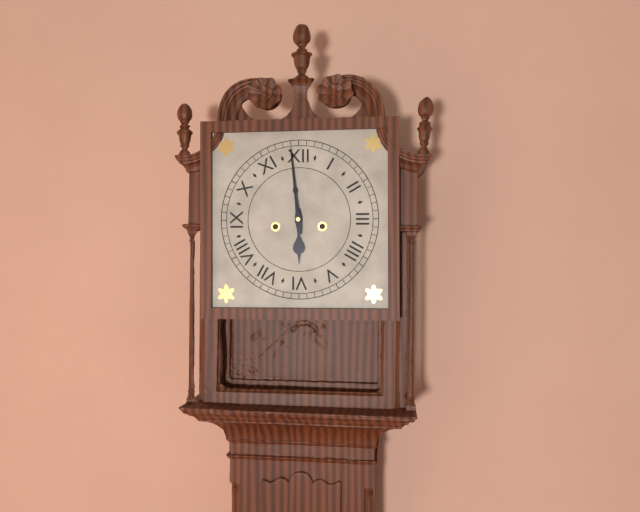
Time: **5:59**
